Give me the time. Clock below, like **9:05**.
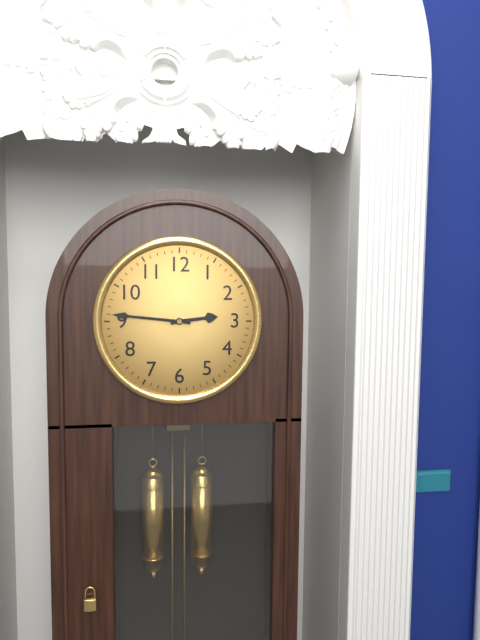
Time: **2:46**
